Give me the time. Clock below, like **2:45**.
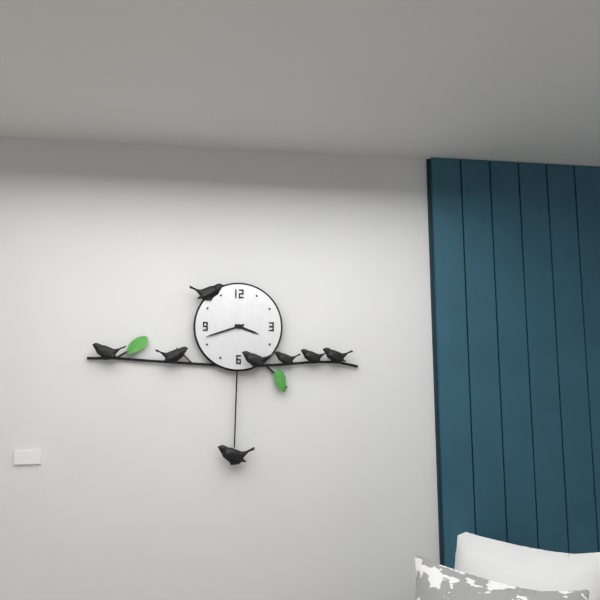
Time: **3:42**
